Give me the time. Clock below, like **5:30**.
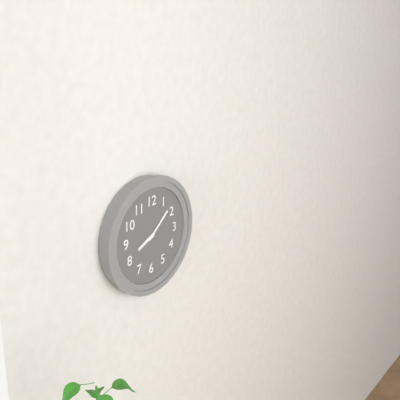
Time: **8:08**
